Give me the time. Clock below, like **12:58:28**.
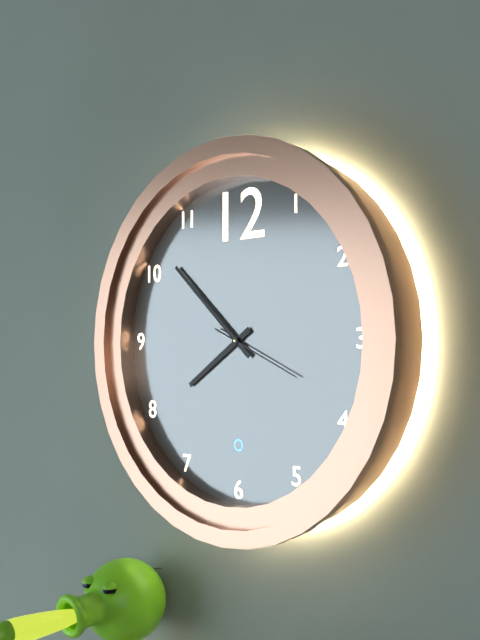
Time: **7:52:19**
